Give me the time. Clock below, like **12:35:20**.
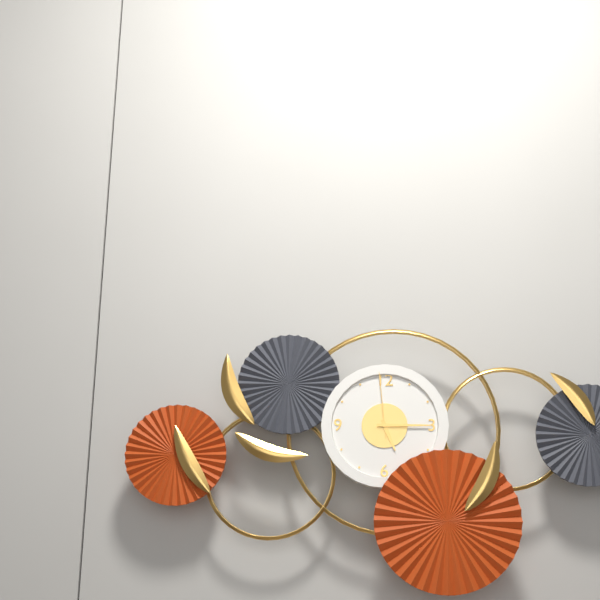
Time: **5:15:59**
